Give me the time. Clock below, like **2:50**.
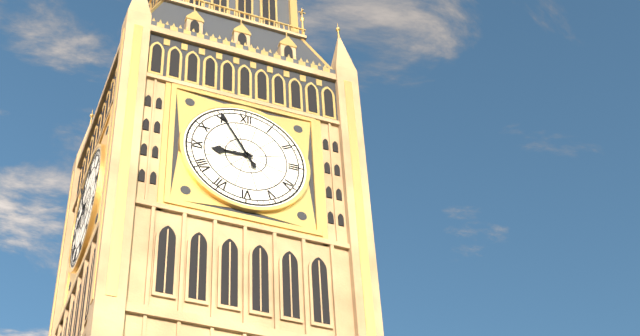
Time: **8:55**
